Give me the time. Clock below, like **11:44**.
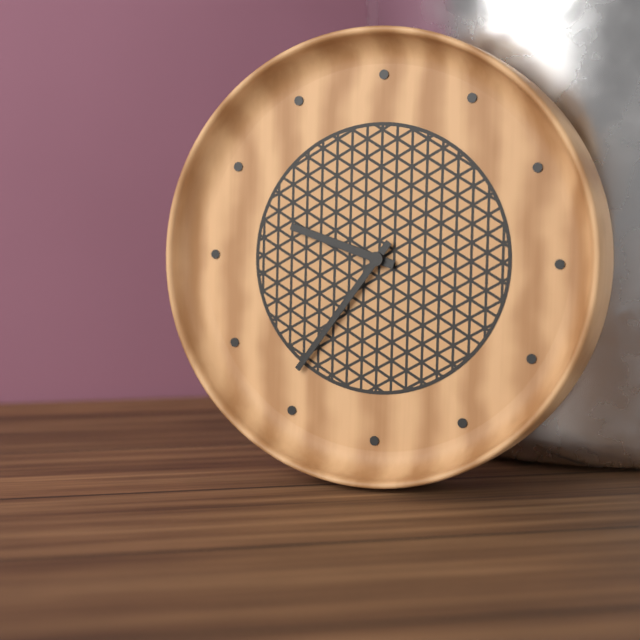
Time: **9:36**
